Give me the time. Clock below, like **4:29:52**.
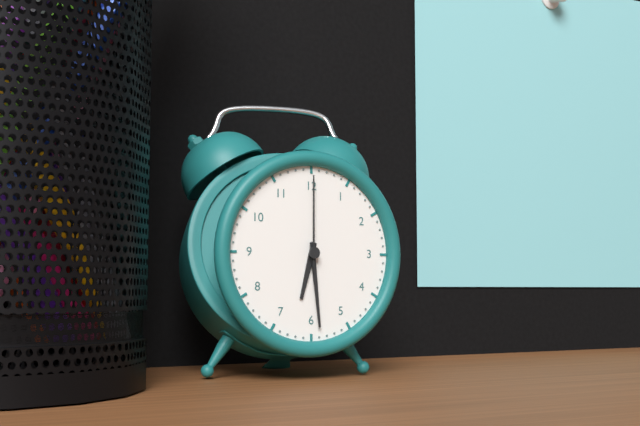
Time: **6:29:00**
